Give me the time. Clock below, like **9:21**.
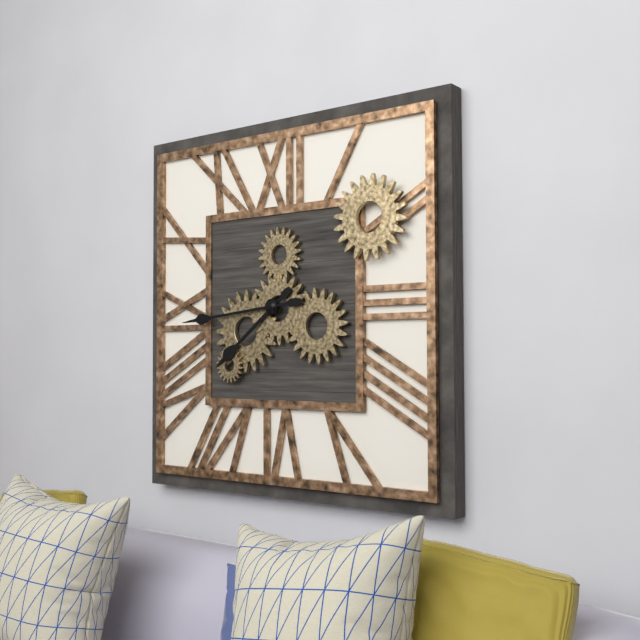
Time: **7:44**
